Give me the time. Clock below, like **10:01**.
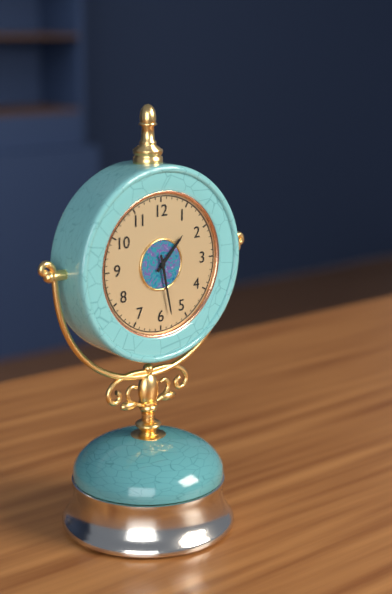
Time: **1:28**
